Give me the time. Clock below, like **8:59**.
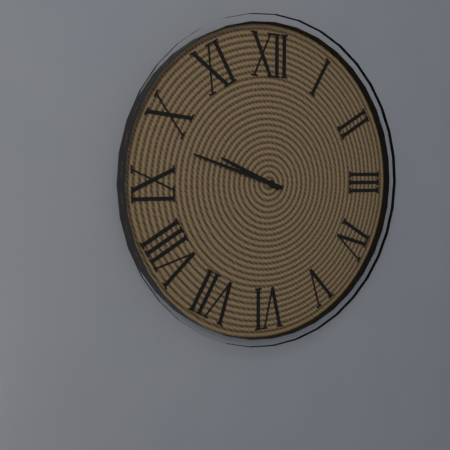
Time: **9:48**
